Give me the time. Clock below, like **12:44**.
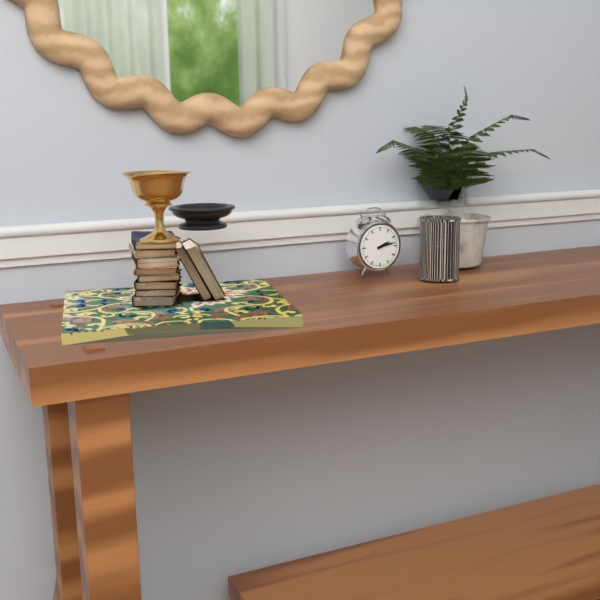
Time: **2:13**
